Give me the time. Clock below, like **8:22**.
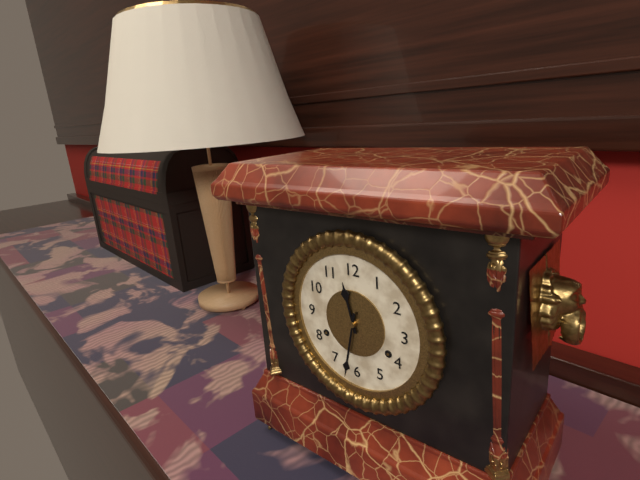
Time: **11:32**
